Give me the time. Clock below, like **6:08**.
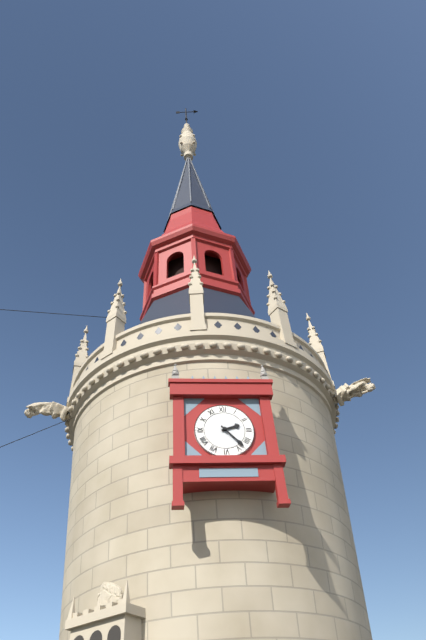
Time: **2:23**
